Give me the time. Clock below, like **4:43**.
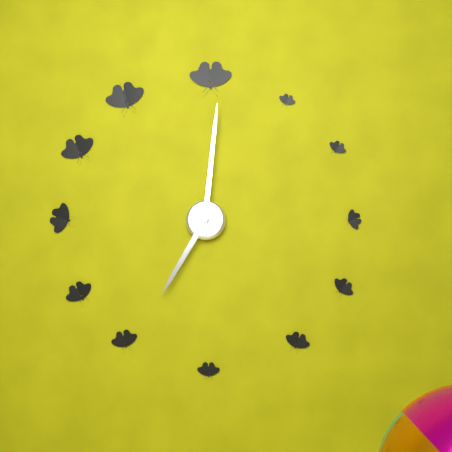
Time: **7:01**
